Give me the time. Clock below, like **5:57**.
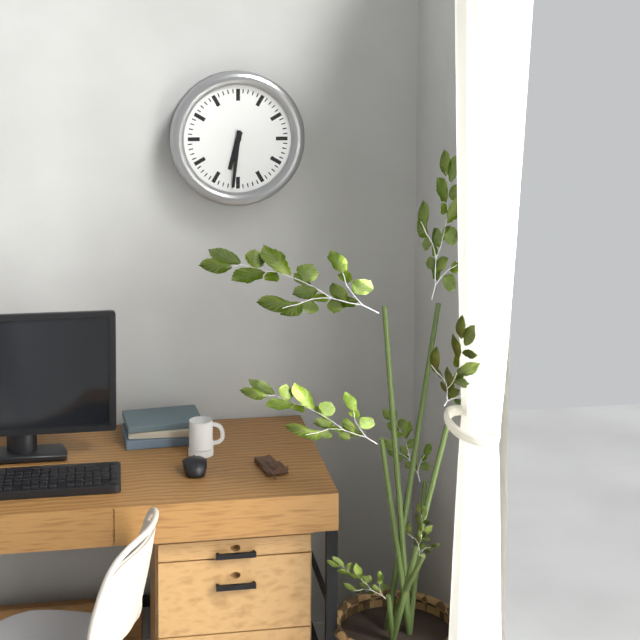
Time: **6:31**
